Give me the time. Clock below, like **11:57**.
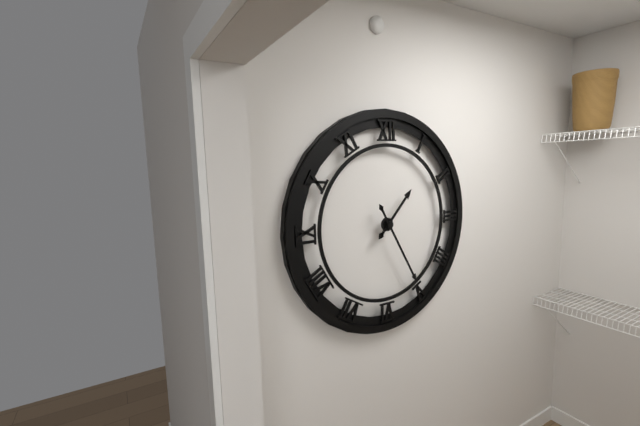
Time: **1:25**
